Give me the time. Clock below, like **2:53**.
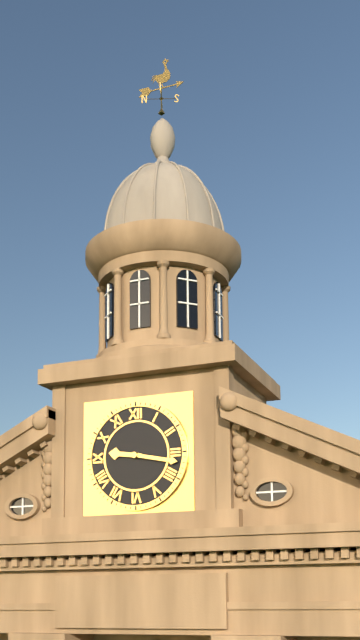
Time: **9:17**
